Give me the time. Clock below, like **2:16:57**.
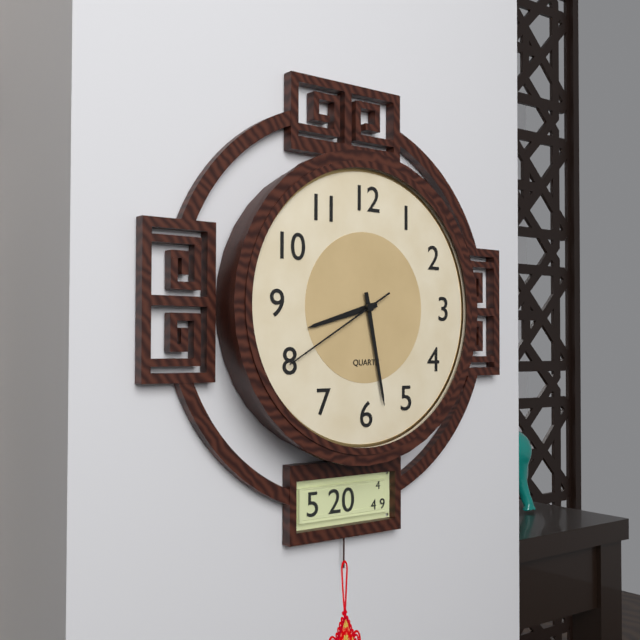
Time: **8:28:40**
